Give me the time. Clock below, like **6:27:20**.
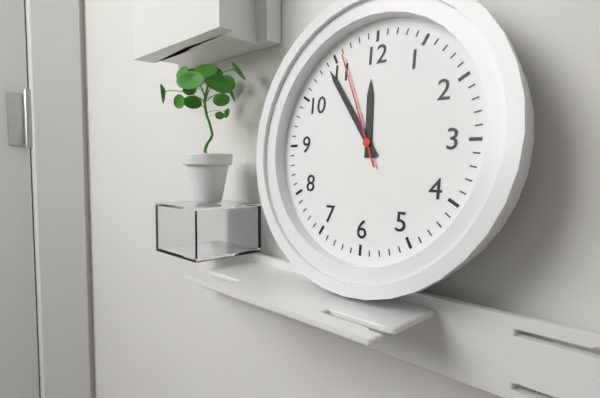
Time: **11:54:56**
